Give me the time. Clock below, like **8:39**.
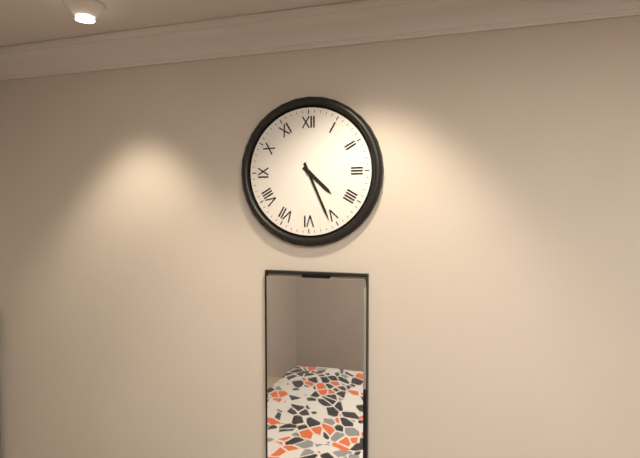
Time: **4:26**
